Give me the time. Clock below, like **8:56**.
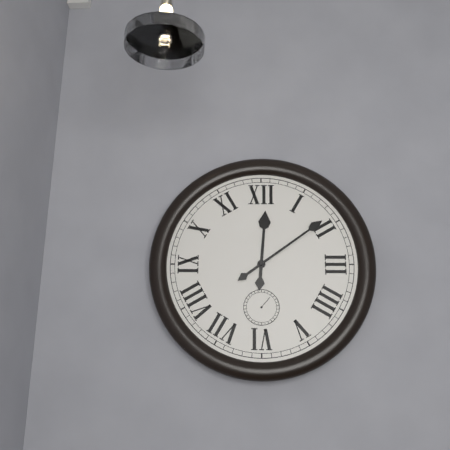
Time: **12:09**
